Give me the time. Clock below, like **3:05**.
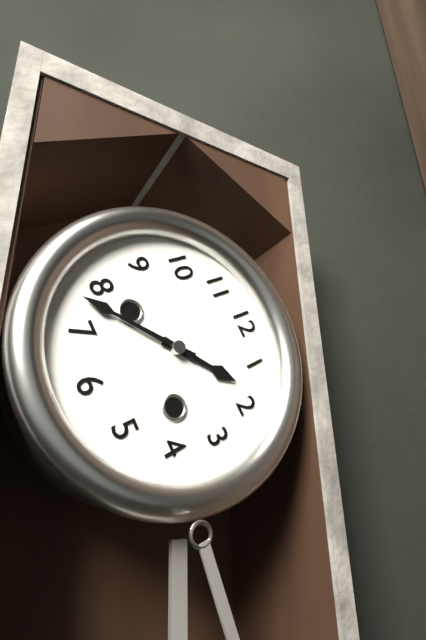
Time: **1:38**
